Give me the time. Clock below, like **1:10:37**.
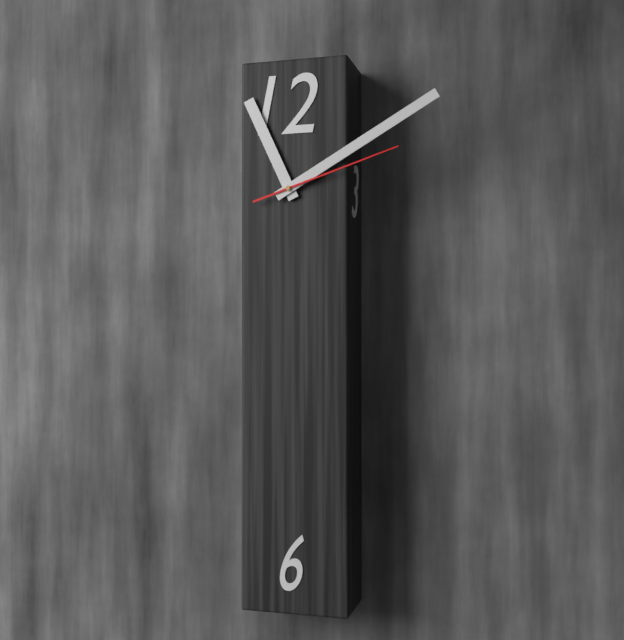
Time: **11:10:12**
